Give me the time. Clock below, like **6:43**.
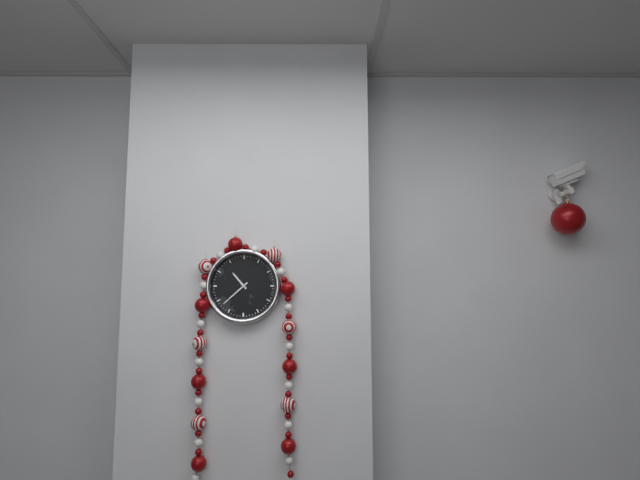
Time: **10:38**
